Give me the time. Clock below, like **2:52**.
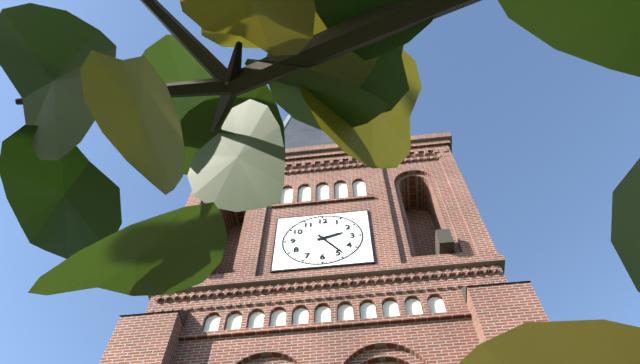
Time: **2:24**
